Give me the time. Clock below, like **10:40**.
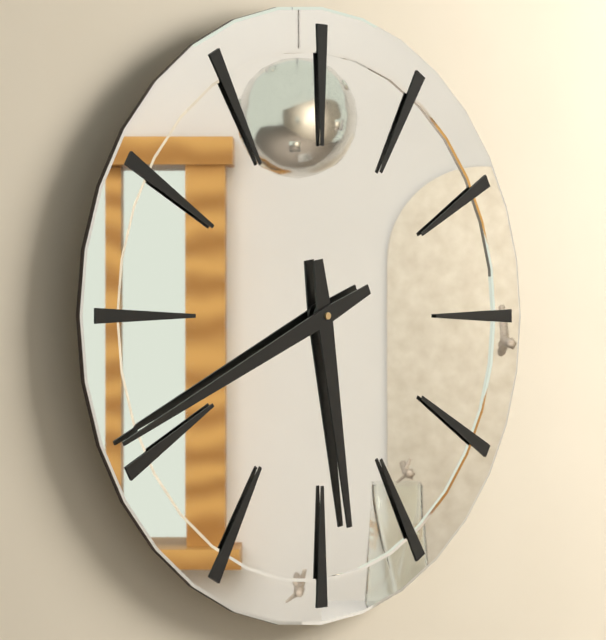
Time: **5:41**
